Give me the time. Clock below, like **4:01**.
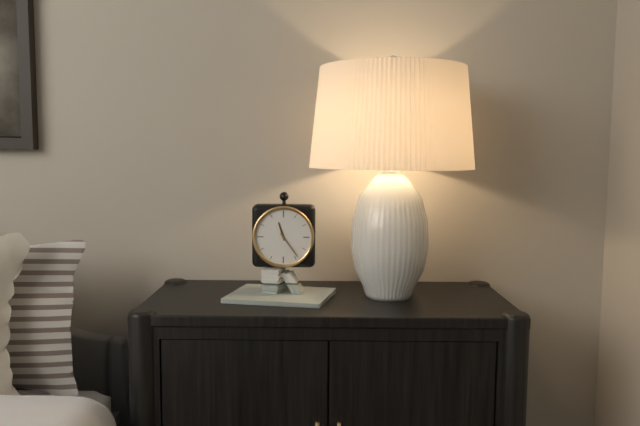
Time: **11:24**
